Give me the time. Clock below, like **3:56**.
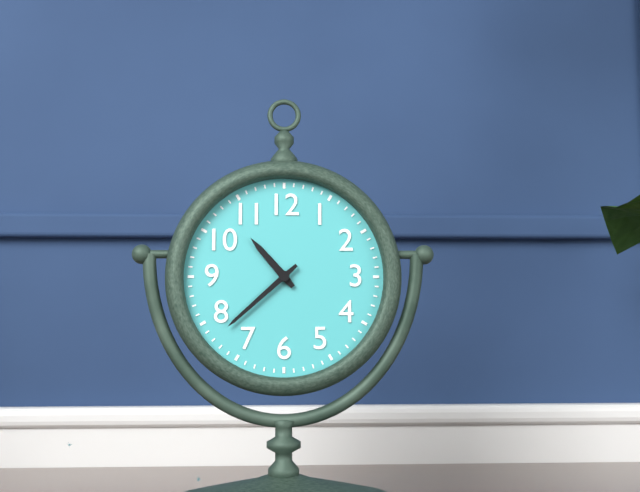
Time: **10:38**
